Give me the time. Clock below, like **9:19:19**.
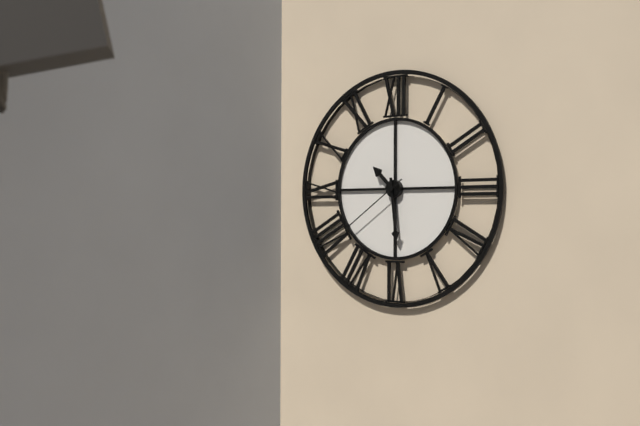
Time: **10:29:39**
